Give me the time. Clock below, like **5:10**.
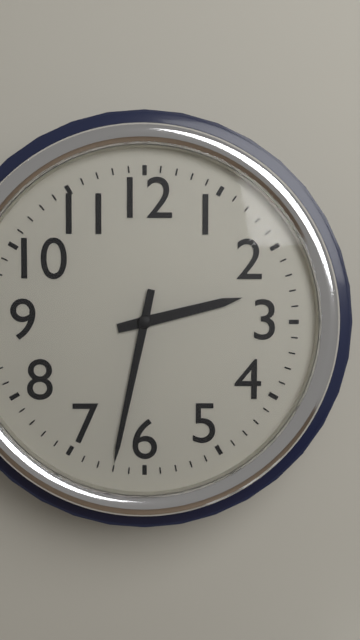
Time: **2:32**
